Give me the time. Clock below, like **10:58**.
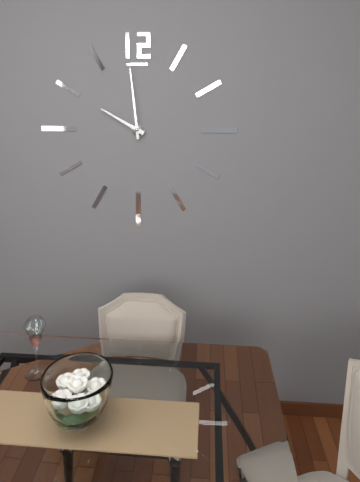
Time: **9:59**
